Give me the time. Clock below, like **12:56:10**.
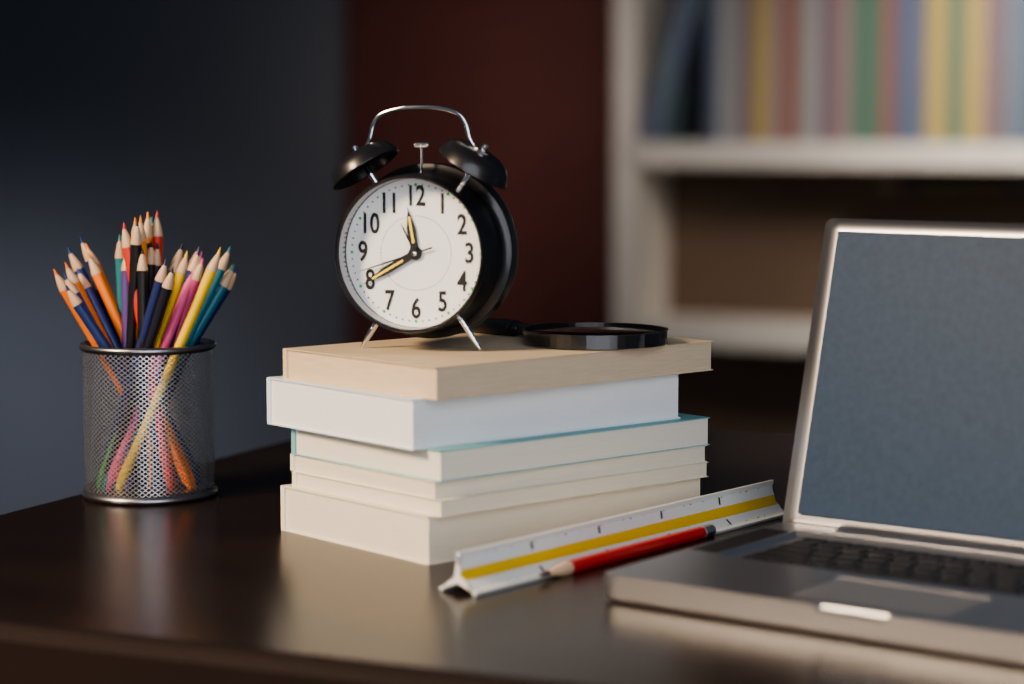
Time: **11:40:42**
